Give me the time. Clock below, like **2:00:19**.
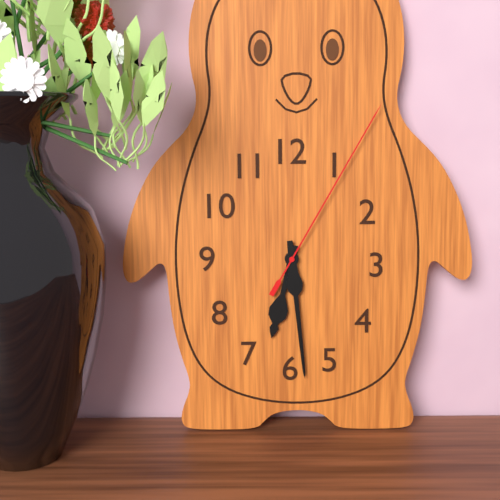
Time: **6:29:05**
